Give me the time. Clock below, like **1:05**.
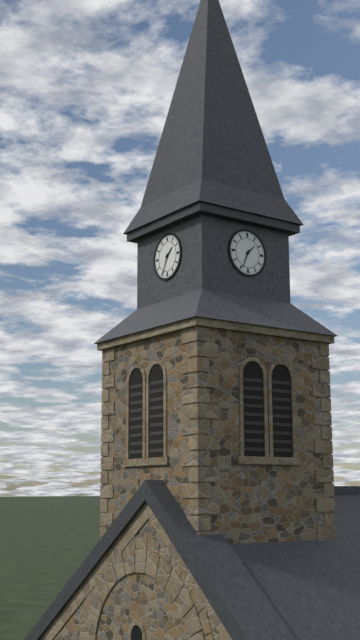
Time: **1:34**
